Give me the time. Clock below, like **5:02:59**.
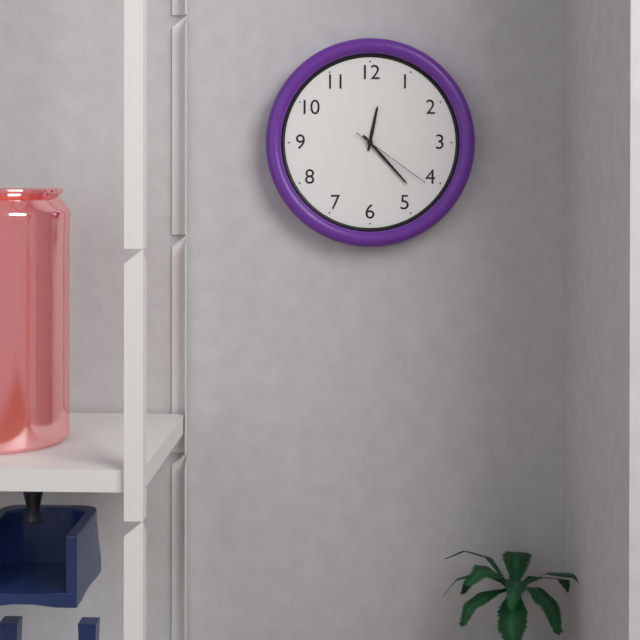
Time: **12:23:21**
